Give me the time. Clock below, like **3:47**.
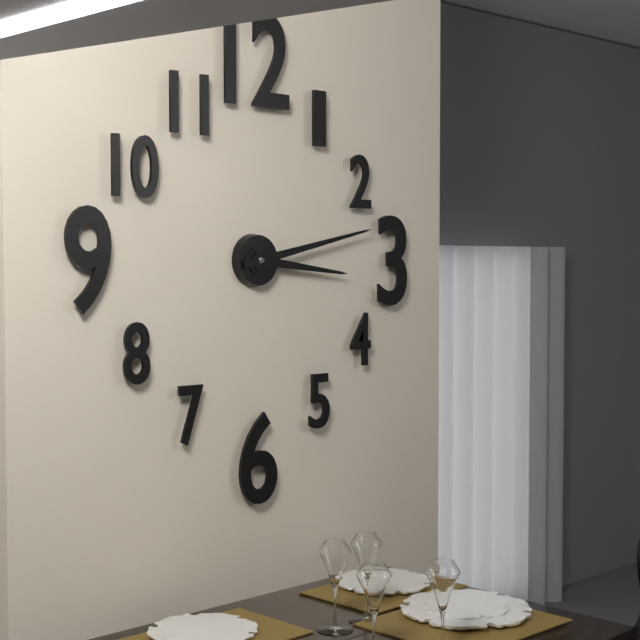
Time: **3:13**
